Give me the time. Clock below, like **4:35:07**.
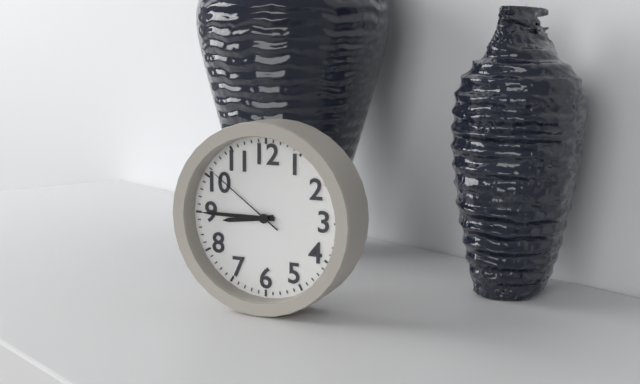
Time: **8:45:51**
